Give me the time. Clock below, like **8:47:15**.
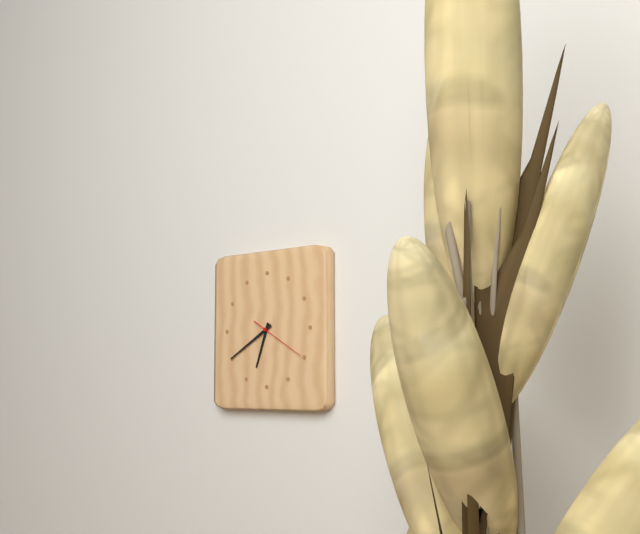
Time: **6:40:20**
